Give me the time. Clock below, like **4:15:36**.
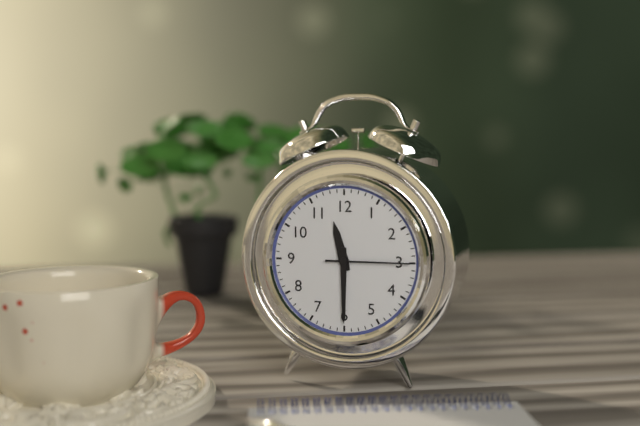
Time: **11:30:15**
